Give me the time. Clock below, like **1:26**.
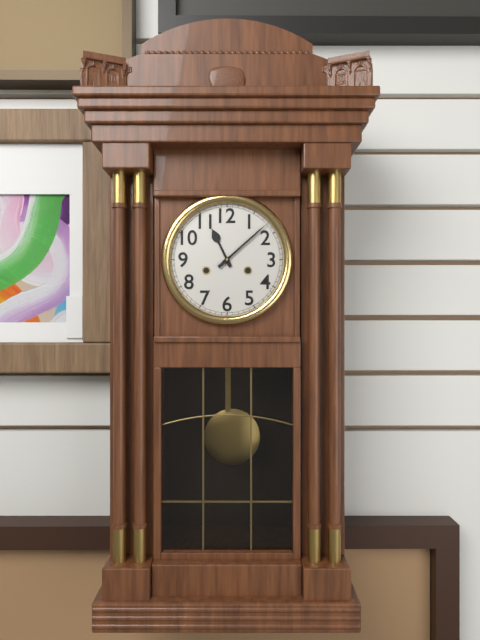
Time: **11:08**
